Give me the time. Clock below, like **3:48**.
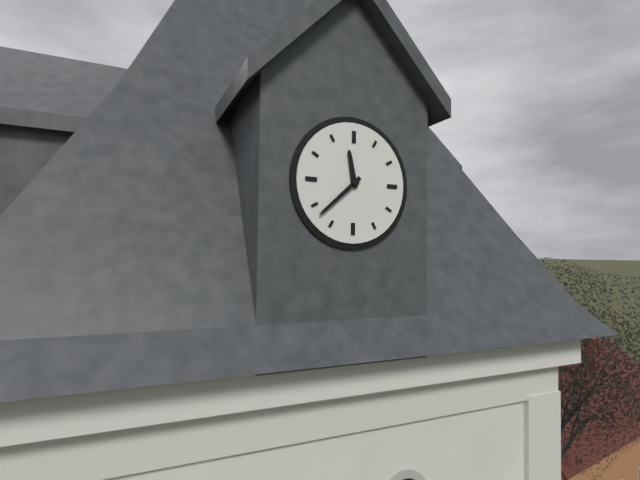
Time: **11:38**
